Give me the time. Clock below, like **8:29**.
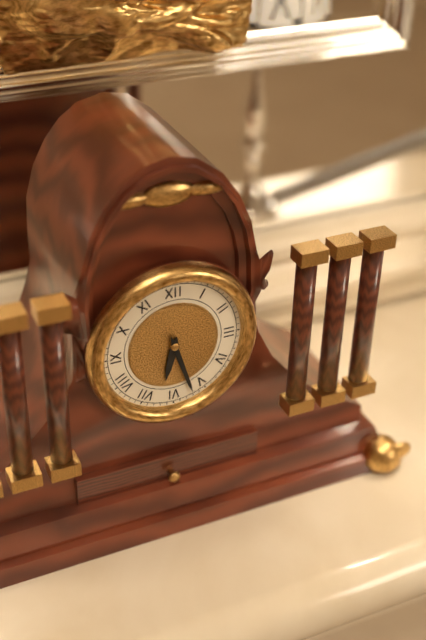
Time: **6:27**
